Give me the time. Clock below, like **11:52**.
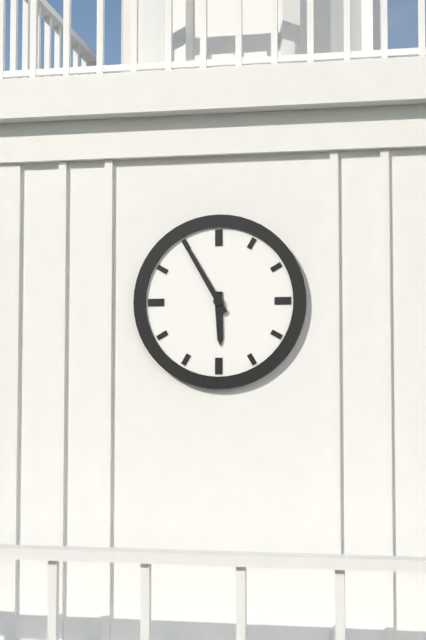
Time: **5:55**
